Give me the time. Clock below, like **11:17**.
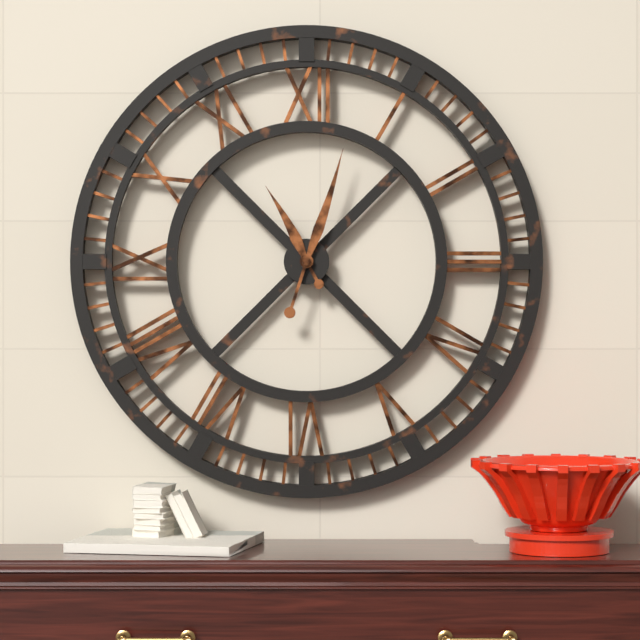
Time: **11:03**
